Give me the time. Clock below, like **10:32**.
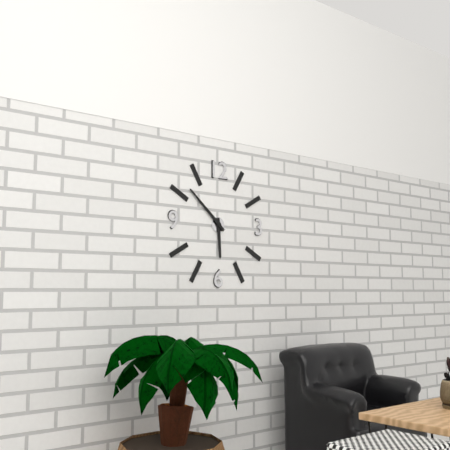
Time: **5:52**
